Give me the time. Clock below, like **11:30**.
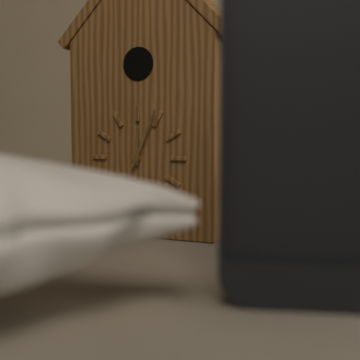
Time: **12:04**
